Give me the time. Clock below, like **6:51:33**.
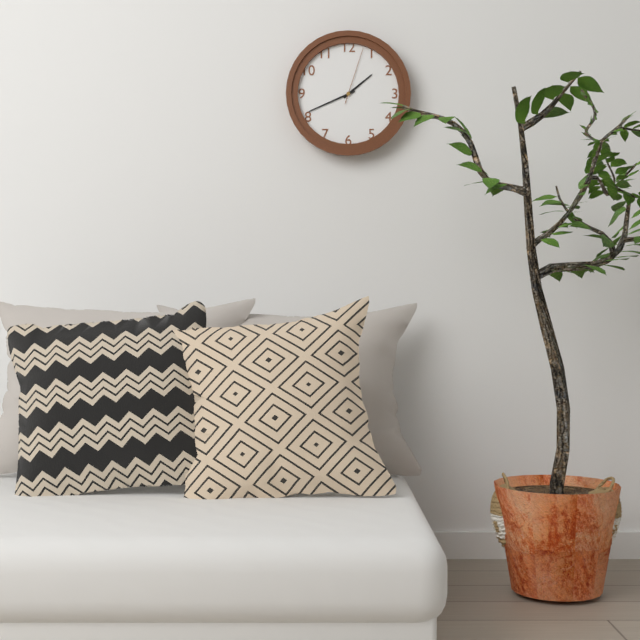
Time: **1:41:03**
